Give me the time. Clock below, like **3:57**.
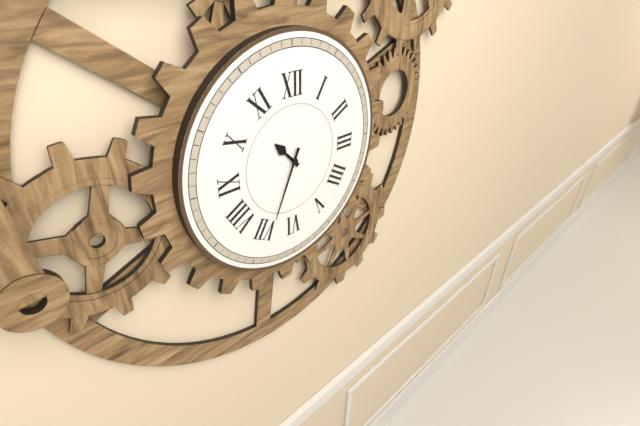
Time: **10:34**
